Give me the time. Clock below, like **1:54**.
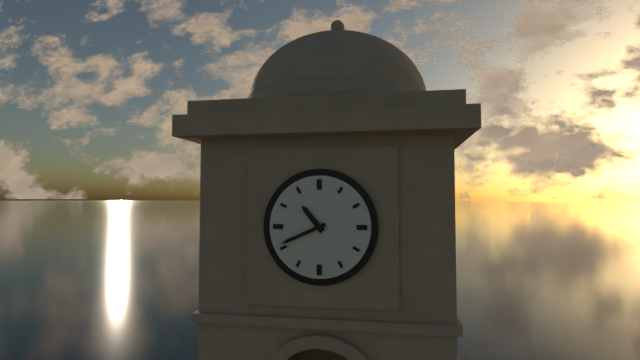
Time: **10:41**
